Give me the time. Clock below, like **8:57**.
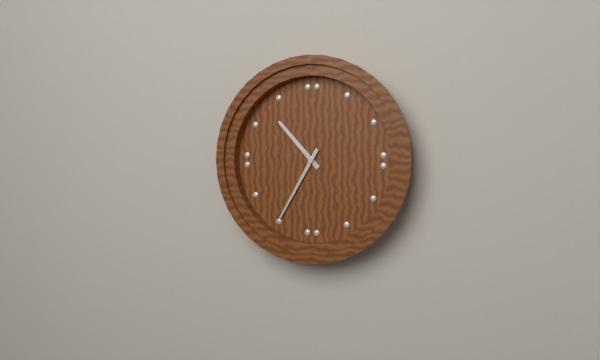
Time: **10:35**
